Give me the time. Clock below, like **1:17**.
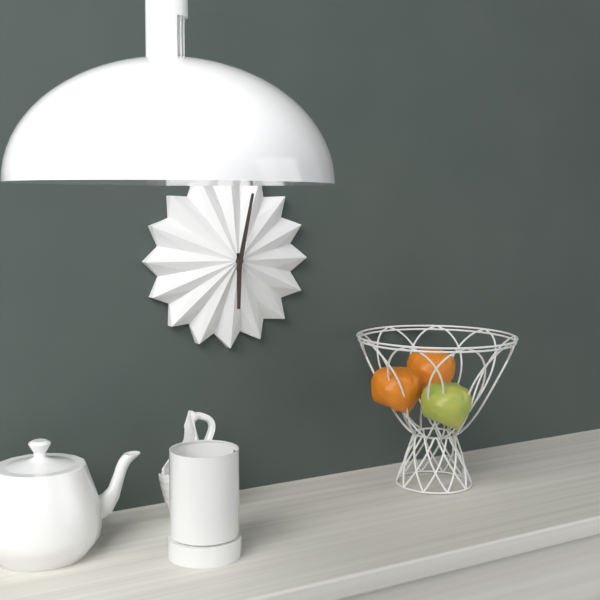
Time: **6:02**
